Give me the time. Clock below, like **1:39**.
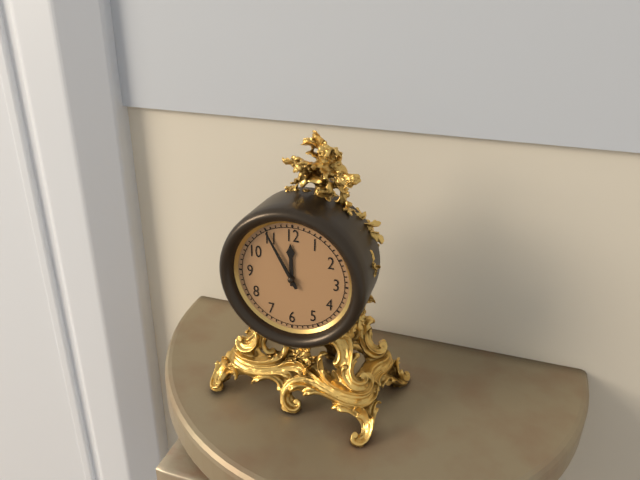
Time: **11:55**
